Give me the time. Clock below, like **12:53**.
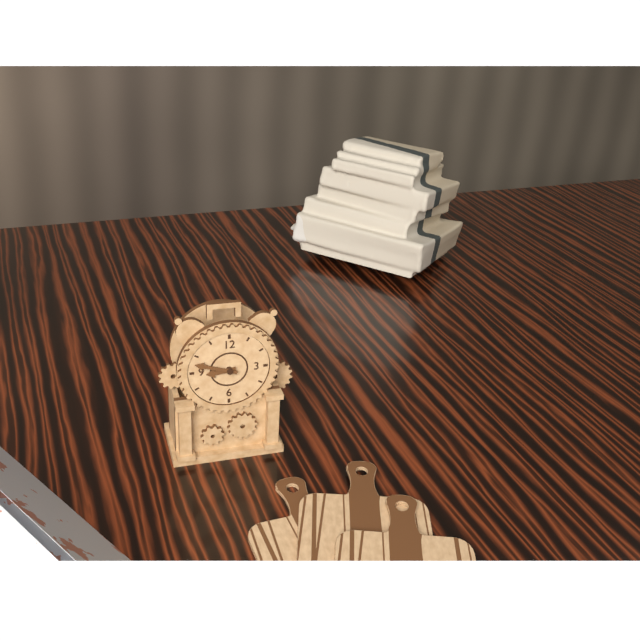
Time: **8:48**
